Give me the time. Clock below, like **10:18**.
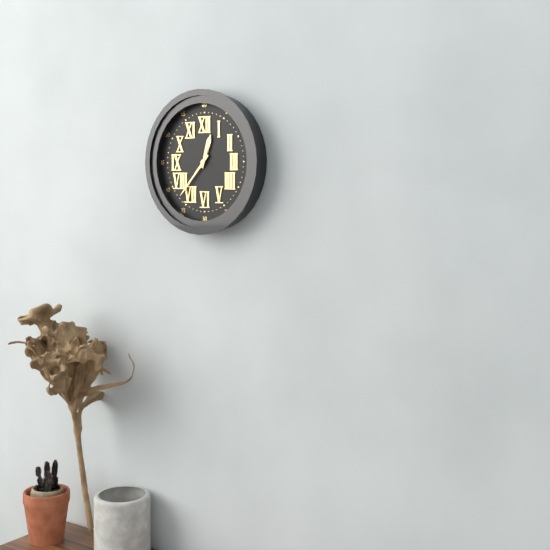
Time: **12:37**
